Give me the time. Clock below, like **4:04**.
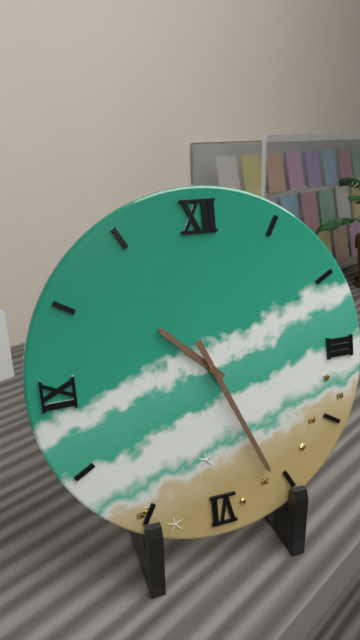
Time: **10:26**
